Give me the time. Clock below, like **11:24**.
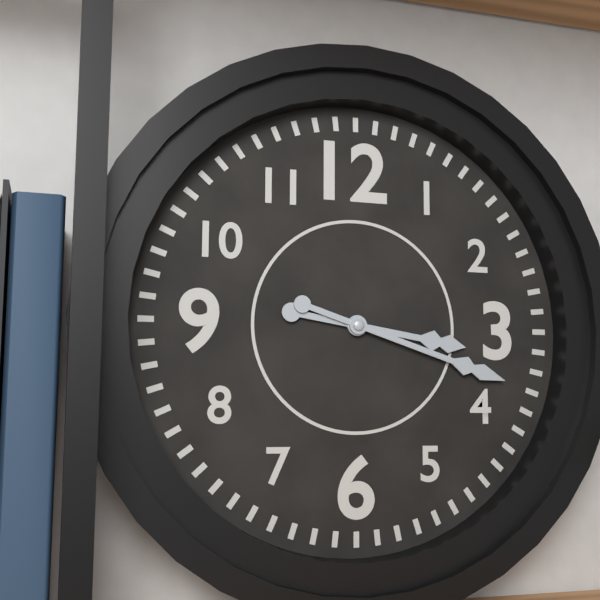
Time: **3:18**
